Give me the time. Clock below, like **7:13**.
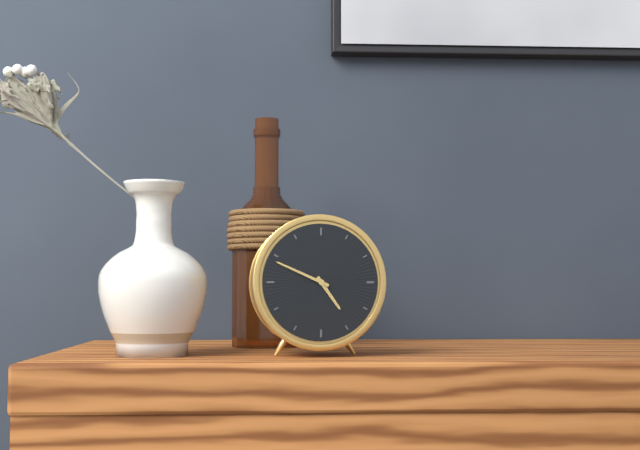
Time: **4:49**
